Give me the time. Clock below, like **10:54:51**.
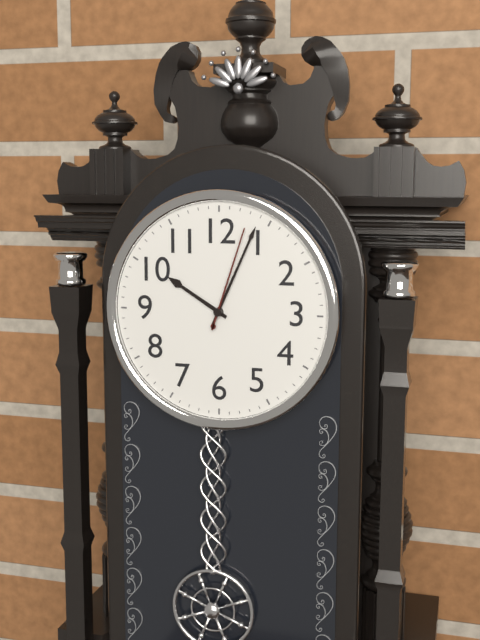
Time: **10:04:03**
